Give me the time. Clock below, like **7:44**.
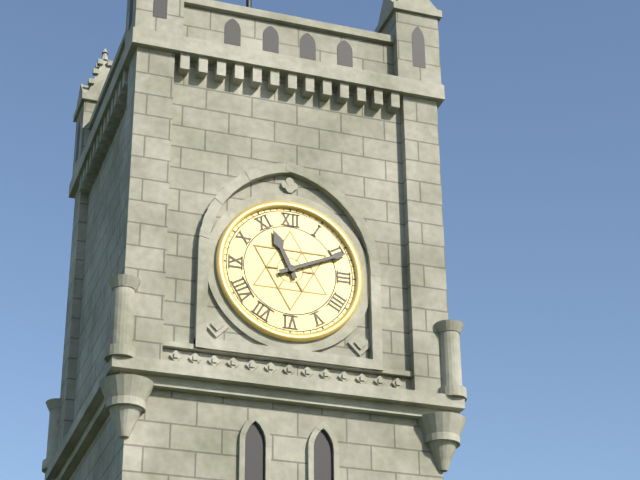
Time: **11:11**
